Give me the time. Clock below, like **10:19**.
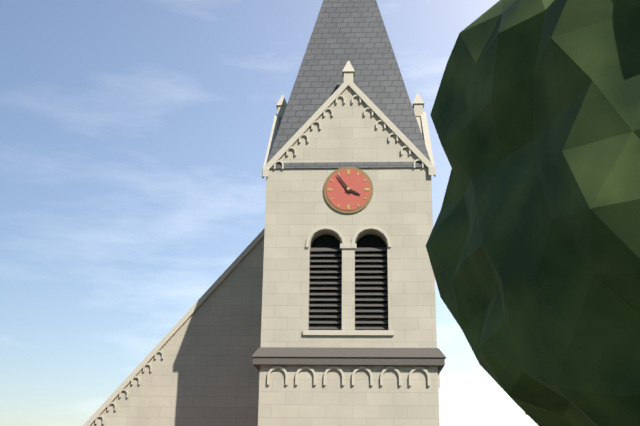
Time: **3:54**
